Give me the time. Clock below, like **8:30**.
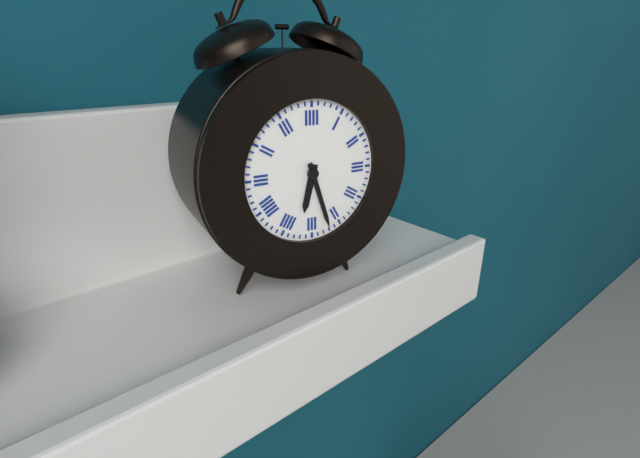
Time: **6:27**
